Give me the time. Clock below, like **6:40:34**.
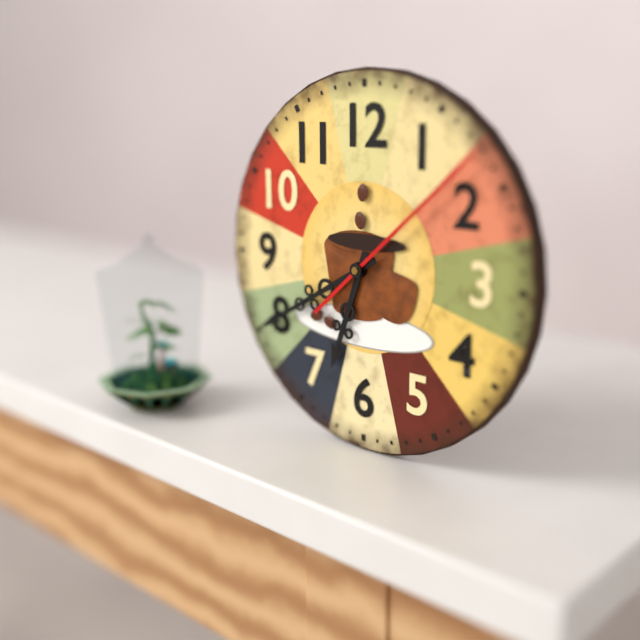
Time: **6:40:08**
